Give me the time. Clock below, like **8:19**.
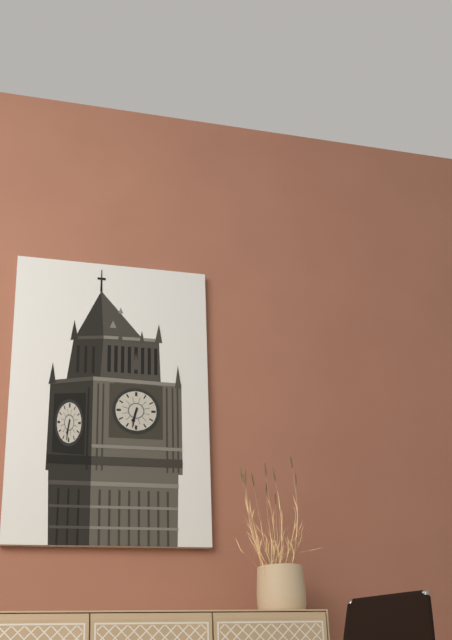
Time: **6:32**
